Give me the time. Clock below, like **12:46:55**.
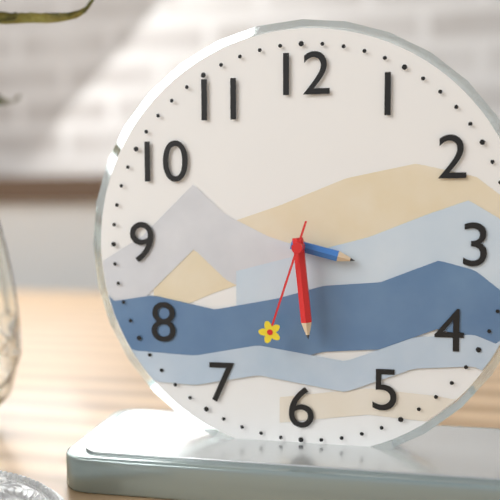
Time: **3:29:33**
